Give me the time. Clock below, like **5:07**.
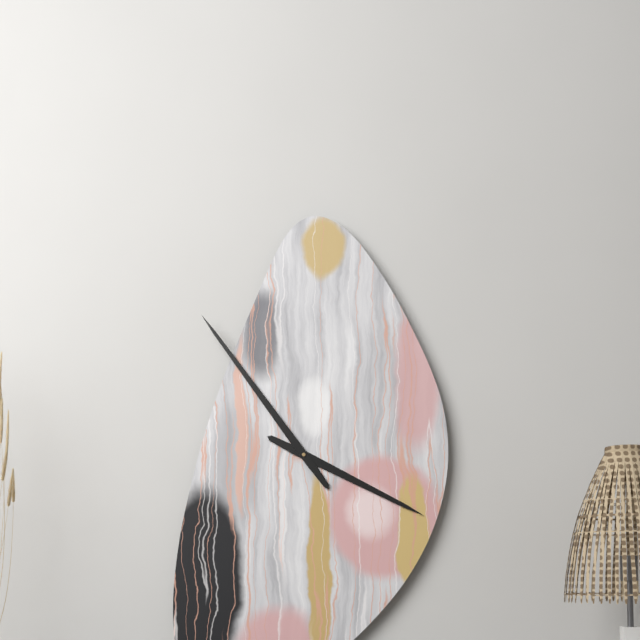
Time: **3:54**
